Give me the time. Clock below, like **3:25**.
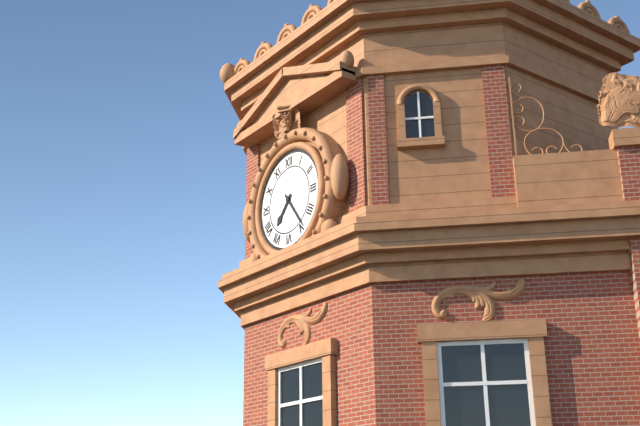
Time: **7:24**
